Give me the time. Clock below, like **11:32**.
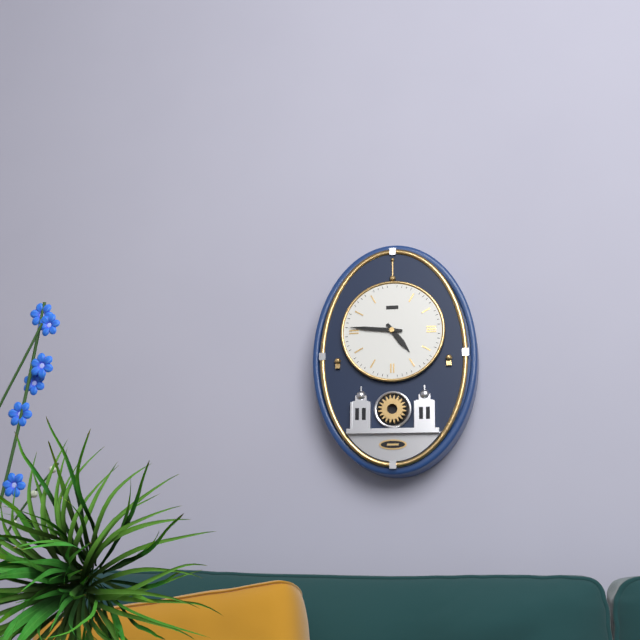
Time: **4:46**
